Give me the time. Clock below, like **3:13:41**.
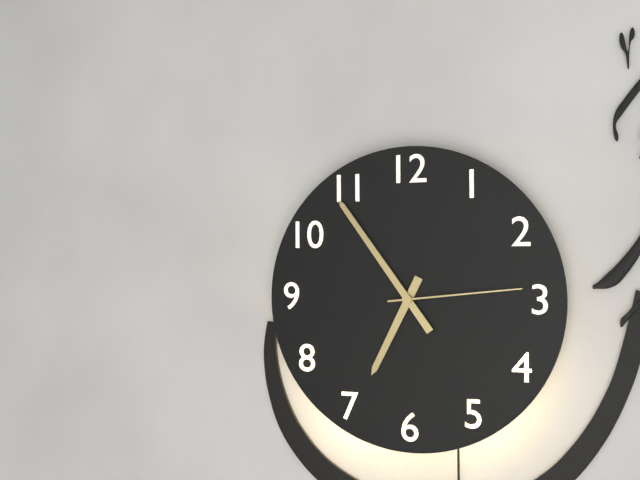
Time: **6:54:14**
